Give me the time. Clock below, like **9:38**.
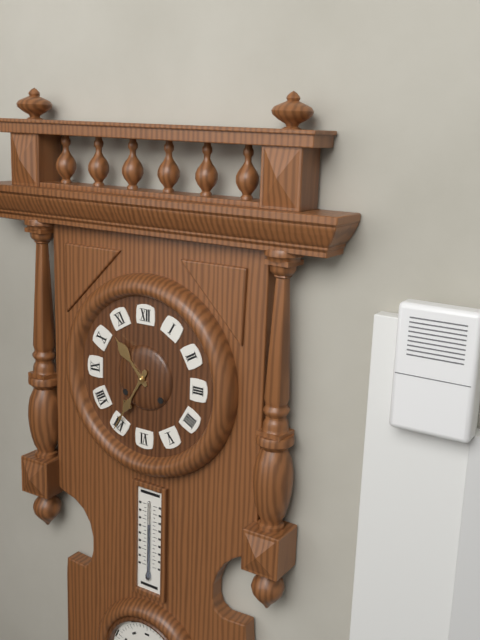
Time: **10:35**
